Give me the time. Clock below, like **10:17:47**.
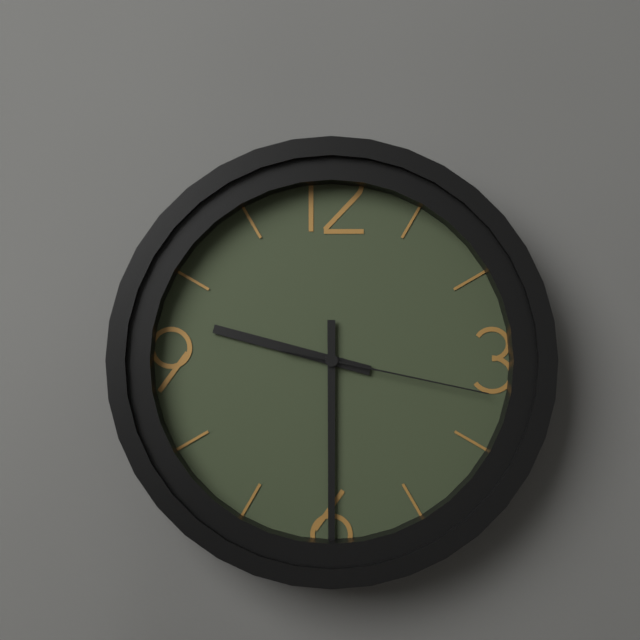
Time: **9:30:17**
